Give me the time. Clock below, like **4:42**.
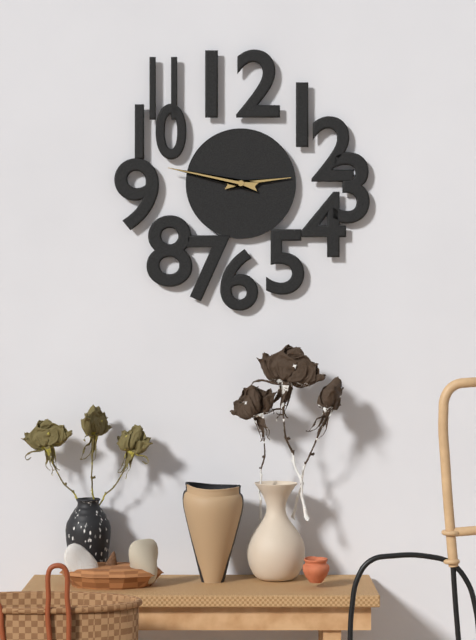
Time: **2:47**
